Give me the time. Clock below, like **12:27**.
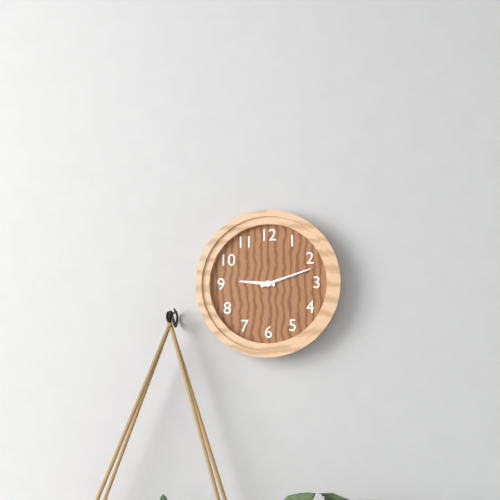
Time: **9:12**
